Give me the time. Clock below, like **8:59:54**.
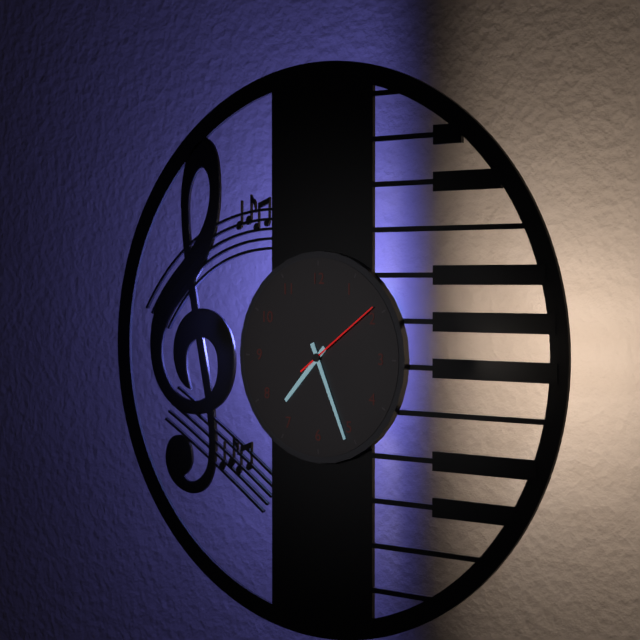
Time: **7:26:09**
